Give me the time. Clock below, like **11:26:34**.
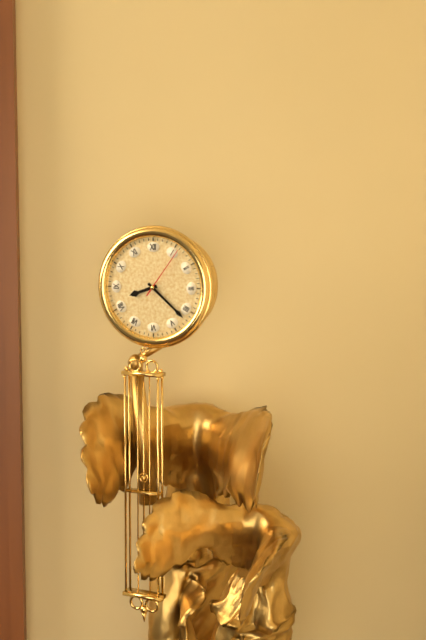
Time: **8:22:06**
